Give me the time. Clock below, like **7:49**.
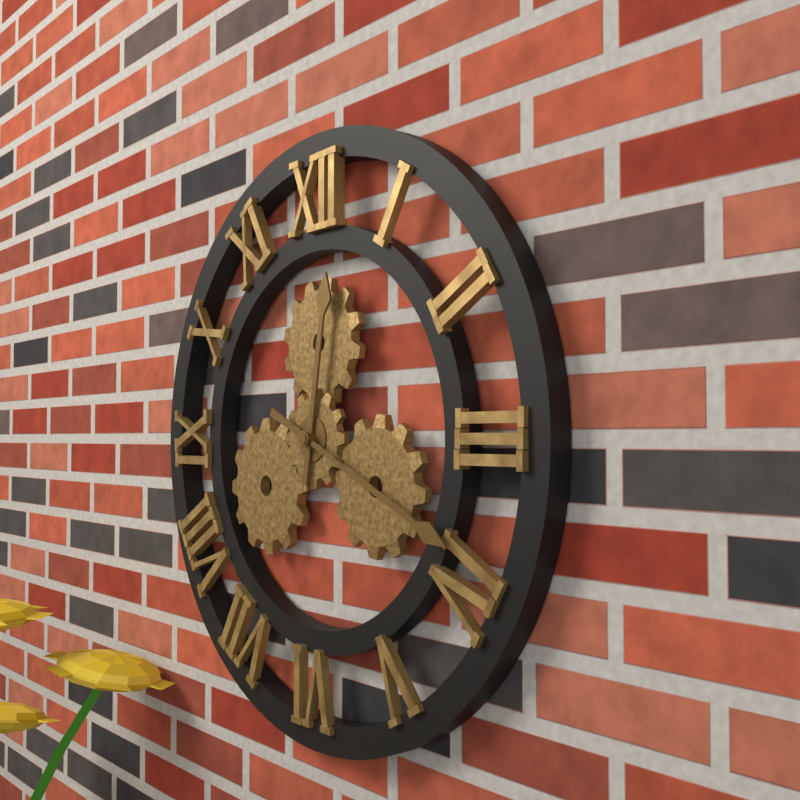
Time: **12:19**
